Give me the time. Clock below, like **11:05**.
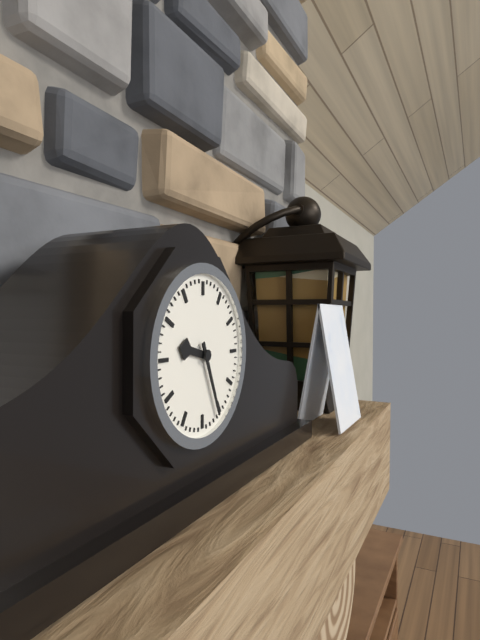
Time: **9:26**
